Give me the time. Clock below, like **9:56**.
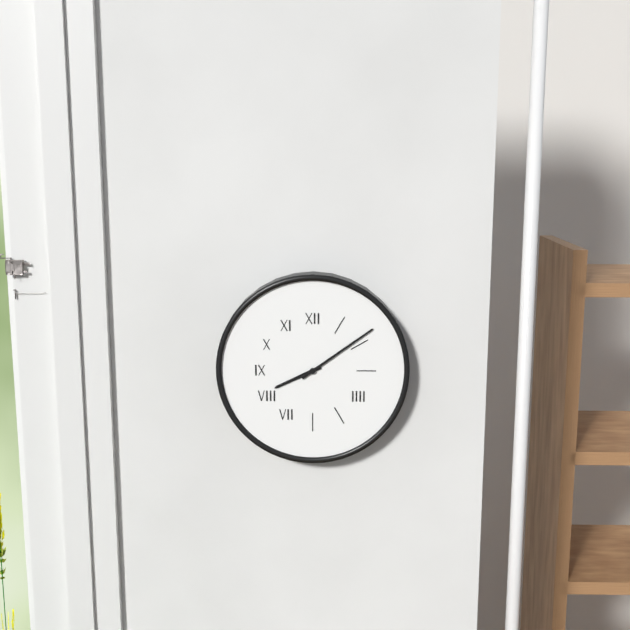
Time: **8:09**
